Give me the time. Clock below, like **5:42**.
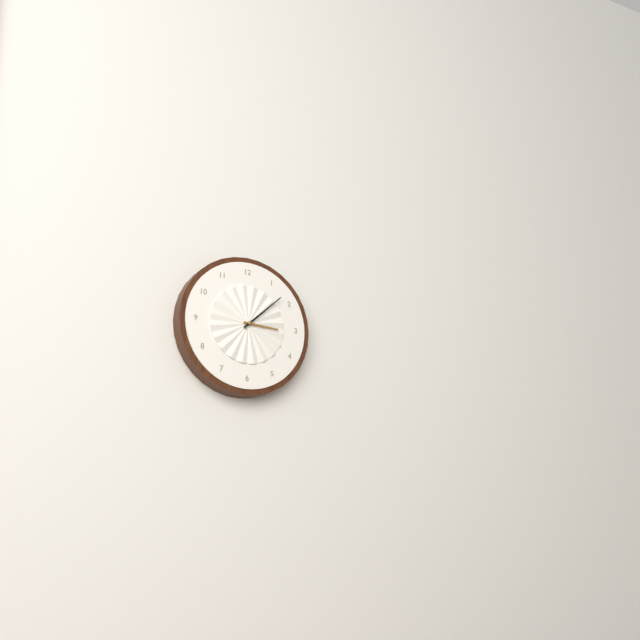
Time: **3:08**
